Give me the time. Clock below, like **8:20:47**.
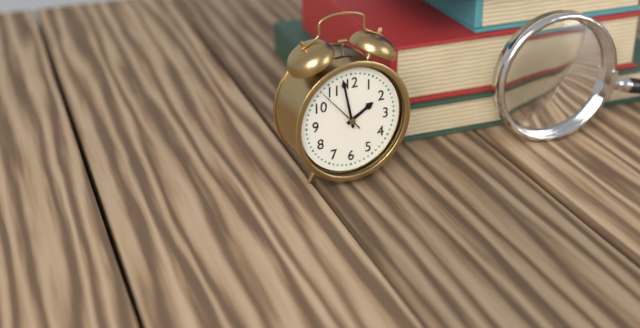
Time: **1:58:53**
